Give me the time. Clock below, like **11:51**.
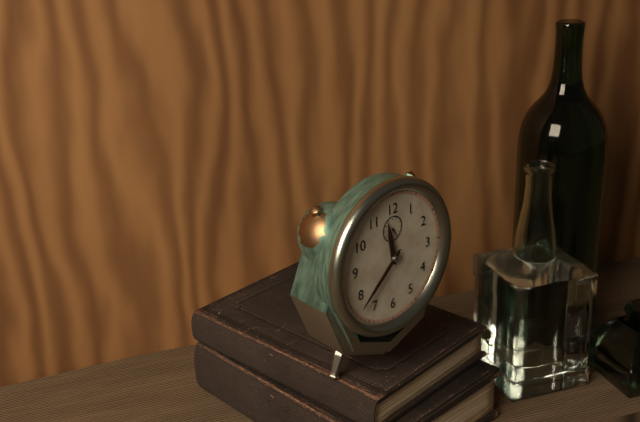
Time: **11:38**
